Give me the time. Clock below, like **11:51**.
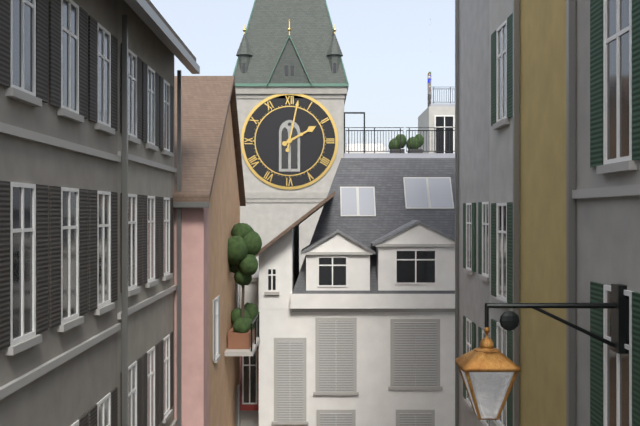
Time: **2:02**
